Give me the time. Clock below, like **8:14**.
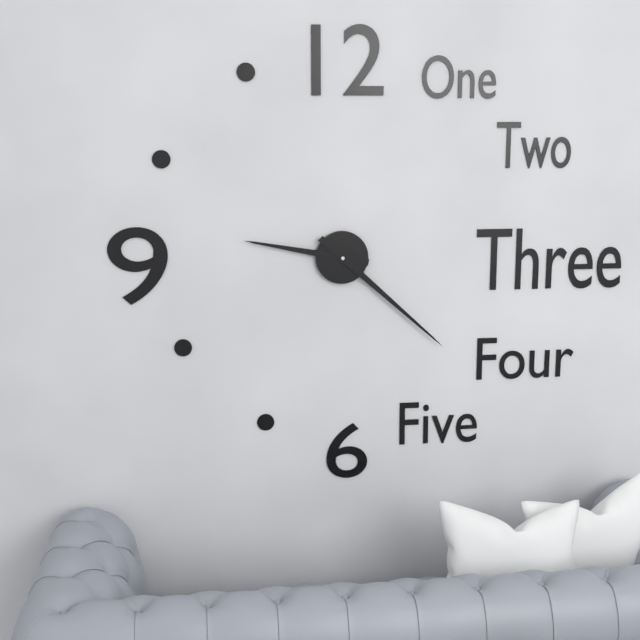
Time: **9:22**
